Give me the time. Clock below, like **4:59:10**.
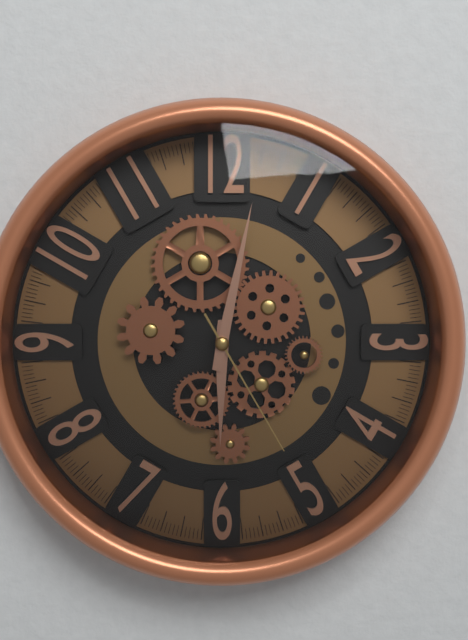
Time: **6:02:25**
